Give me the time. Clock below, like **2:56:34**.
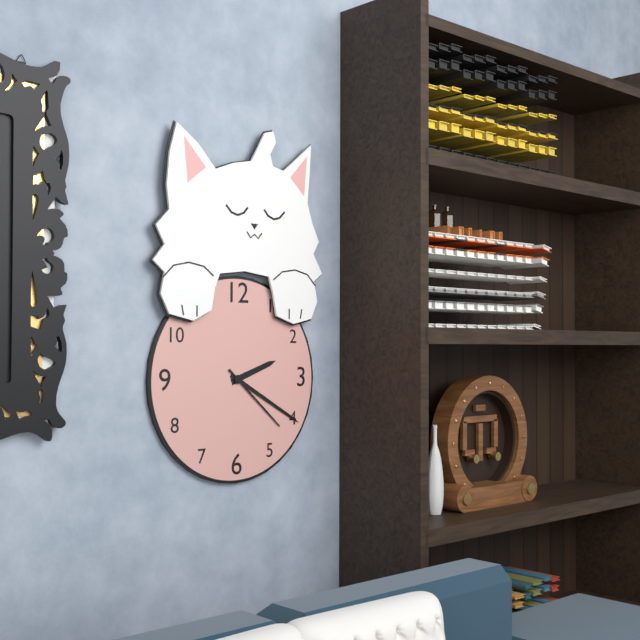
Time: **2:20:22**
